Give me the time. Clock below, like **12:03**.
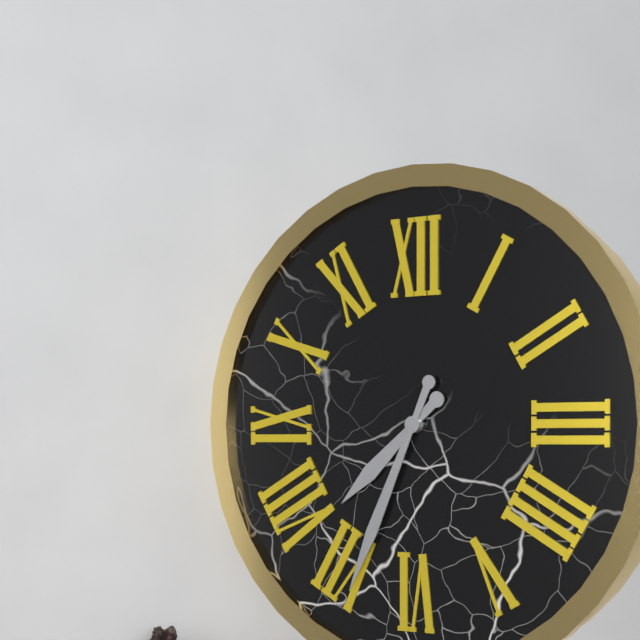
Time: **7:34**
